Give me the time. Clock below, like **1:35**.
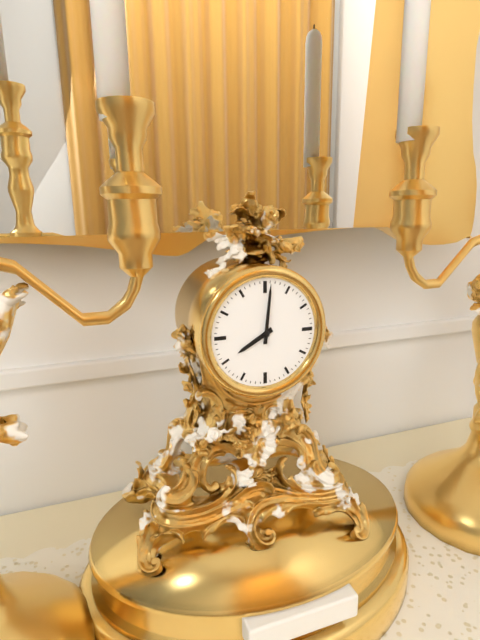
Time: **8:01**
